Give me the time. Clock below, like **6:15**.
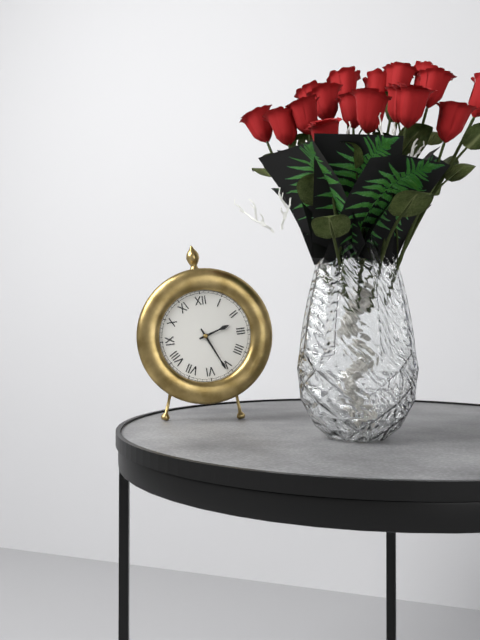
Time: **2:26**
